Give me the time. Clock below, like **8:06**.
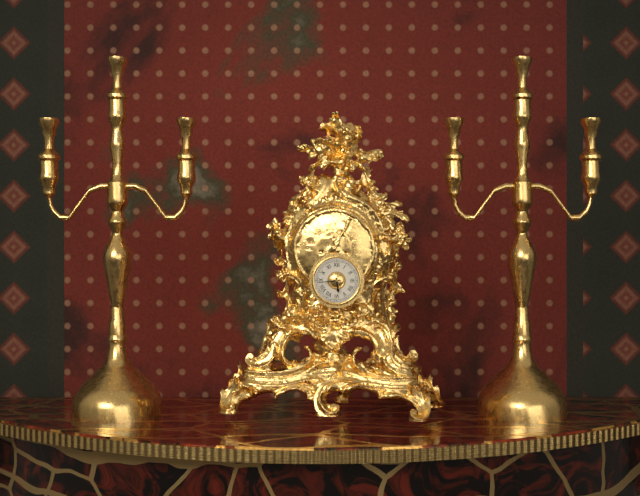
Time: **5:44**
